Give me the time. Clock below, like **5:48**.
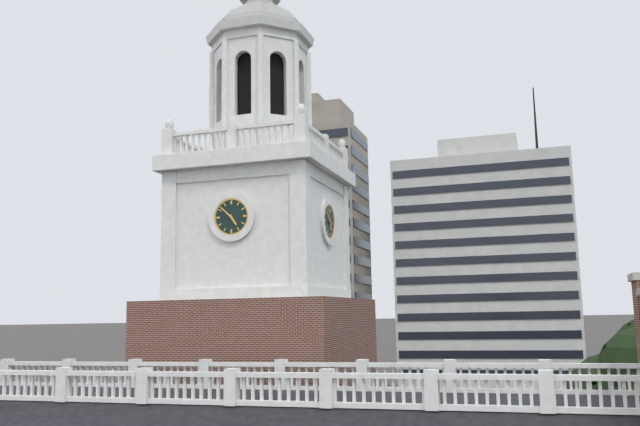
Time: **4:52**
